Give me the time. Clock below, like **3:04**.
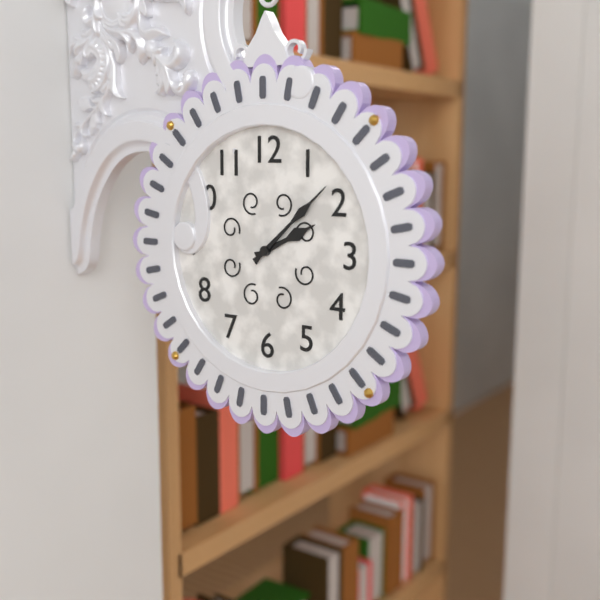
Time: **2:08**
